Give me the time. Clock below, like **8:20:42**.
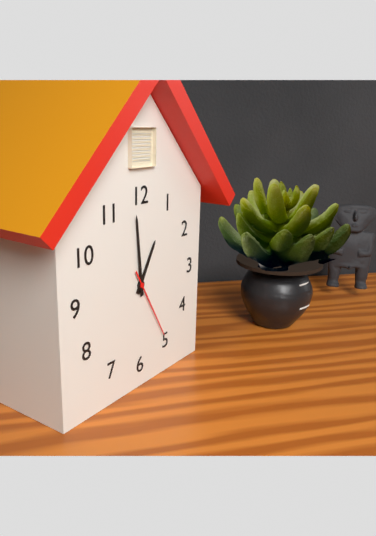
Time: **12:59:25**
